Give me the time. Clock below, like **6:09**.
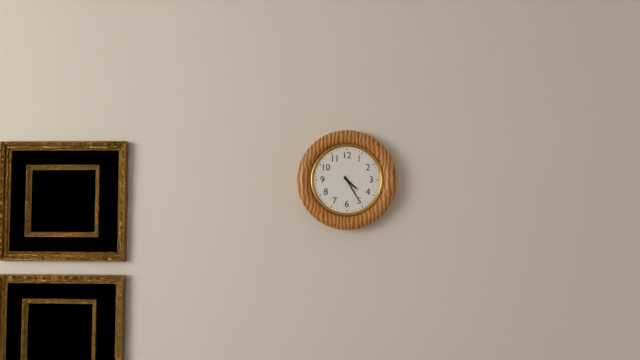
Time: **4:25**
